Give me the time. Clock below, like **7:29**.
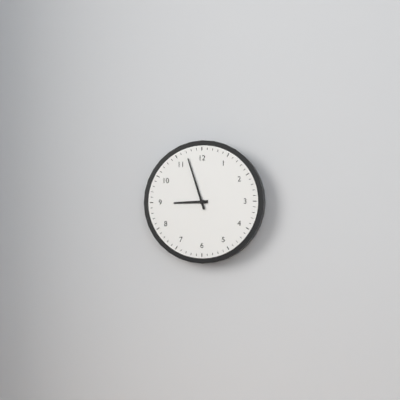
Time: **8:57**
